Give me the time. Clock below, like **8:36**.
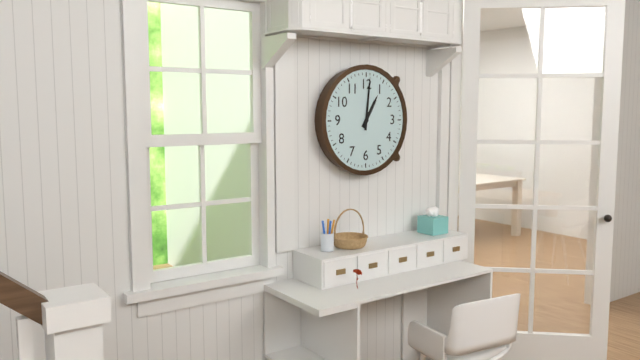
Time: **1:01**
